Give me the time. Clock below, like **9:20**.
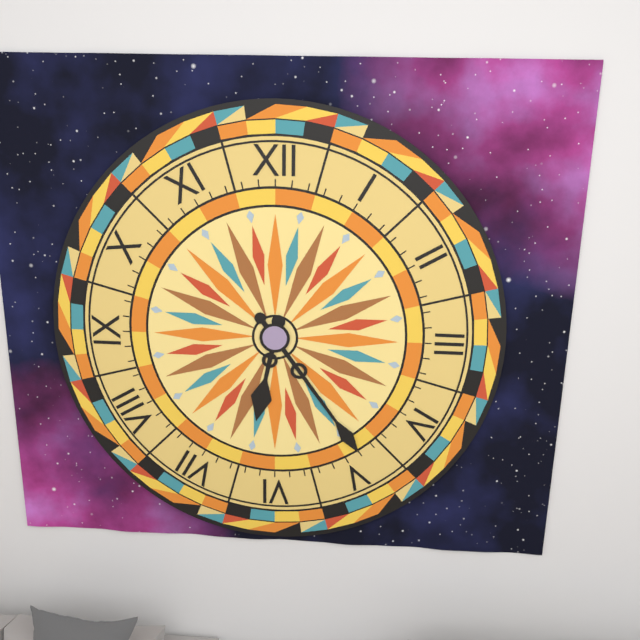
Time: **6:24**
